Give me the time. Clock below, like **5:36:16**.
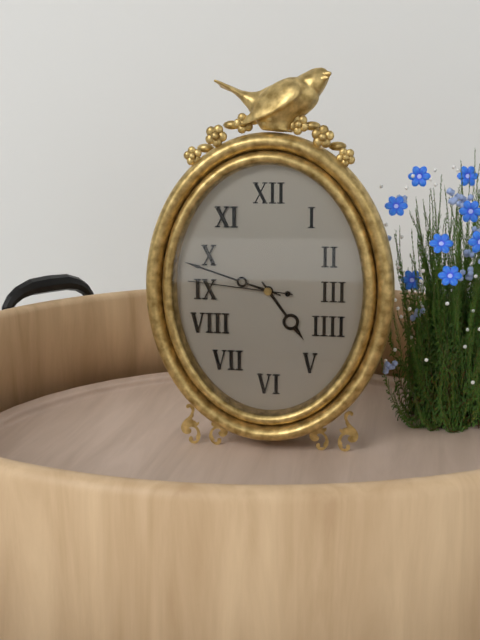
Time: **4:48:46**
